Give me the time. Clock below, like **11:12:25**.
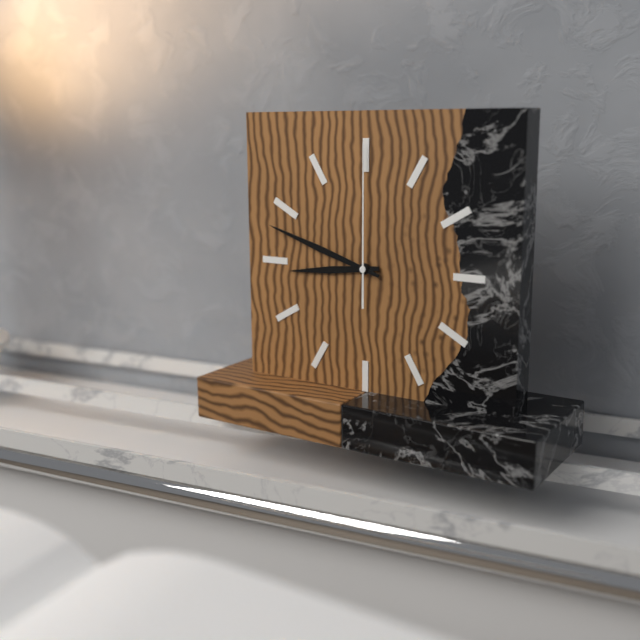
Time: **8:48:00**
